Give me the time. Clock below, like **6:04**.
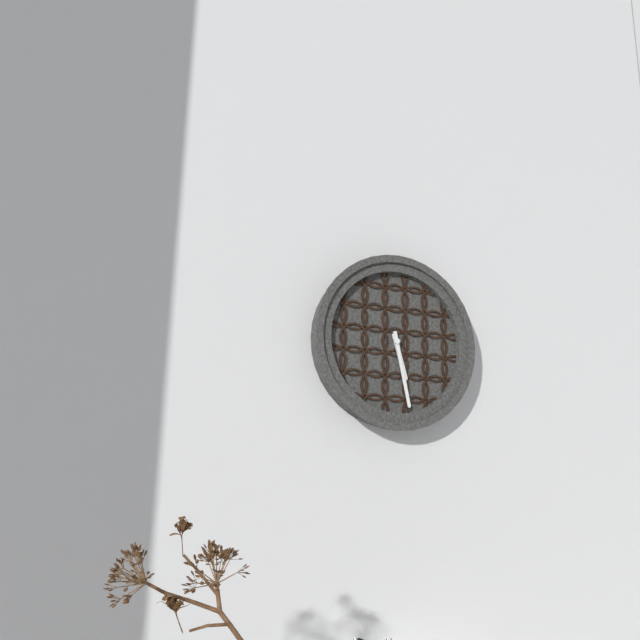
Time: **5:28**
